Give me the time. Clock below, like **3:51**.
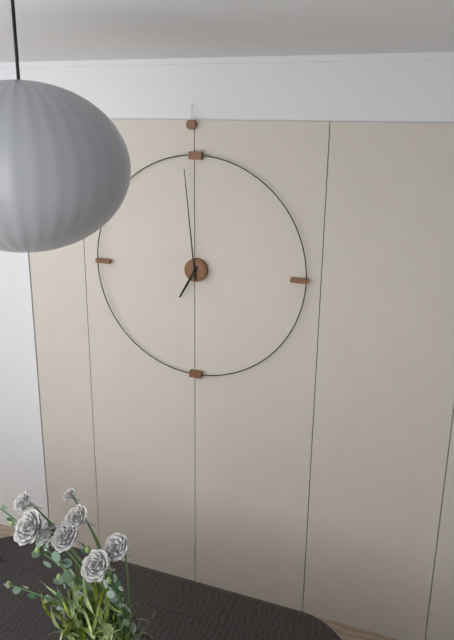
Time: **6:59**
